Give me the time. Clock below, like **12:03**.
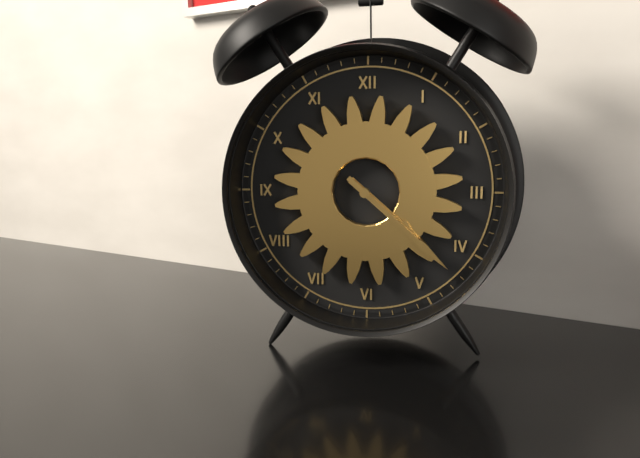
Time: **4:22**
